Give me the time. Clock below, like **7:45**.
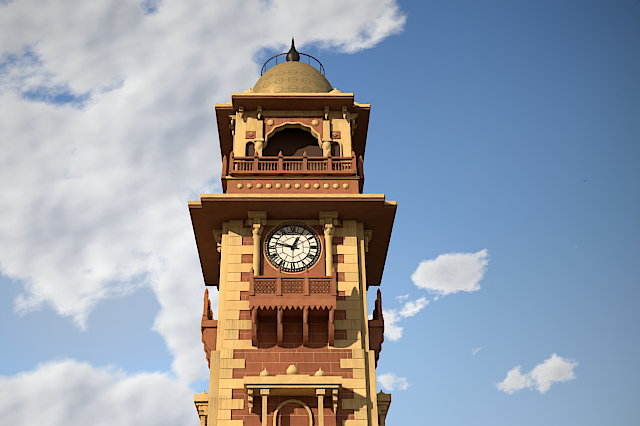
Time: **12:47**
